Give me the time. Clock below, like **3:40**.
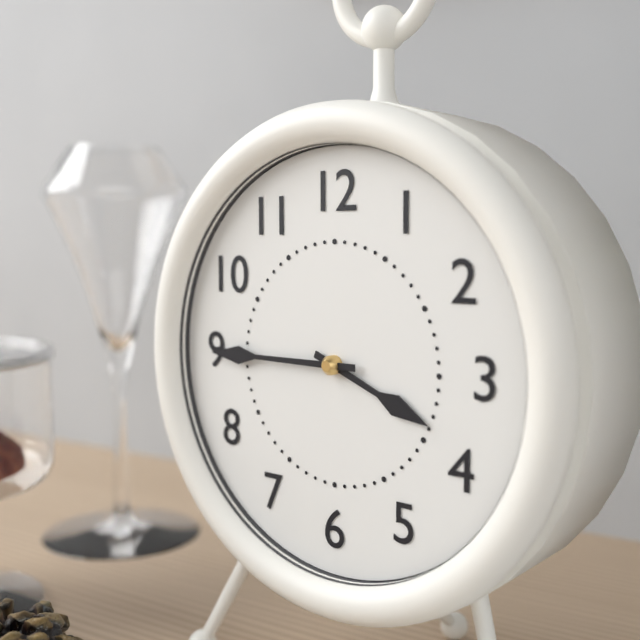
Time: **3:45**
